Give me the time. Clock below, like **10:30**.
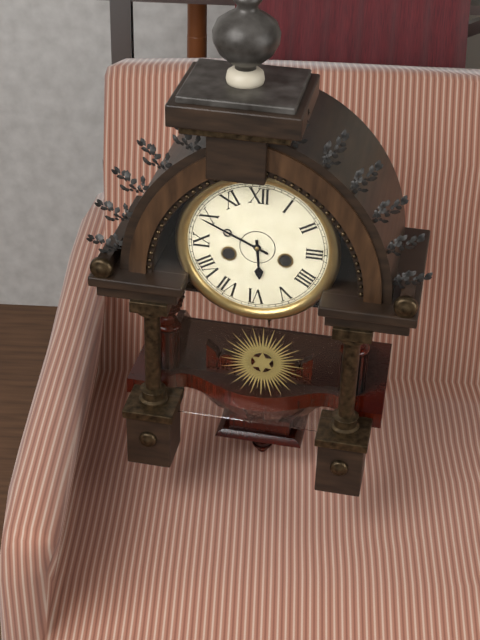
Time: **5:49**
